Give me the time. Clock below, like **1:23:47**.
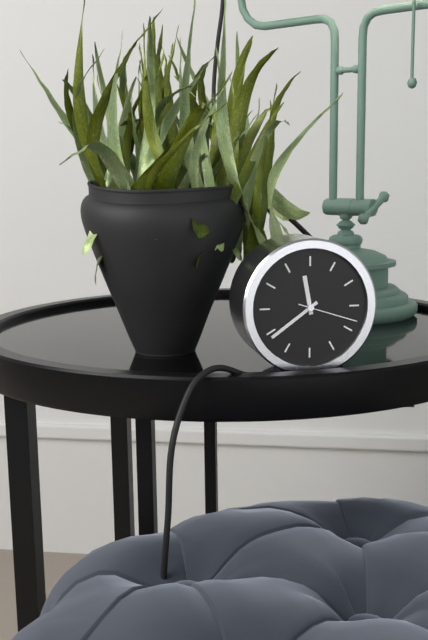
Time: **11:39:18**
